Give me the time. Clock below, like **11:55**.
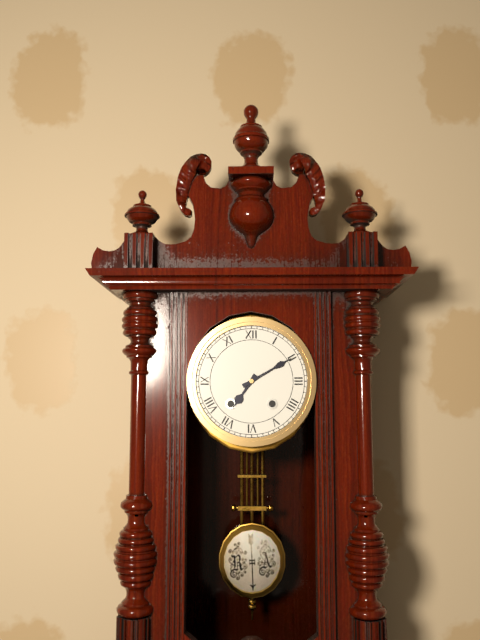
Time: **7:10**
